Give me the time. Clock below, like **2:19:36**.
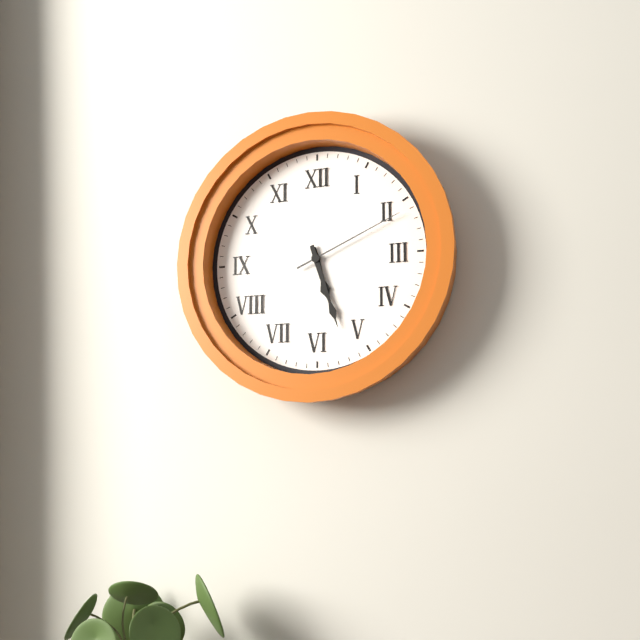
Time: **5:27:11**
